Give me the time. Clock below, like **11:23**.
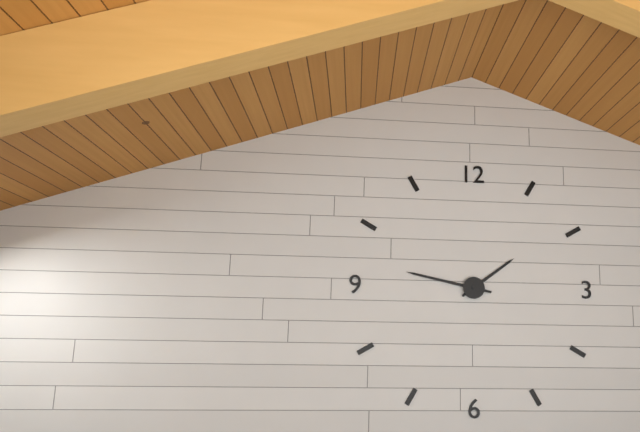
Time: **1:47**
